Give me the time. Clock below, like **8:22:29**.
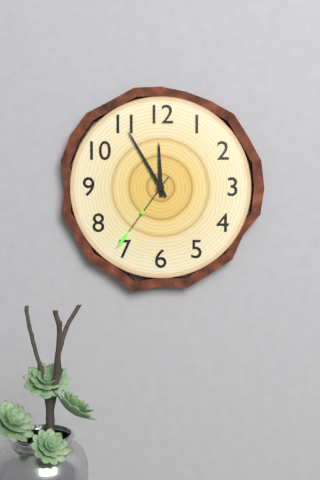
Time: **11:55:36**
